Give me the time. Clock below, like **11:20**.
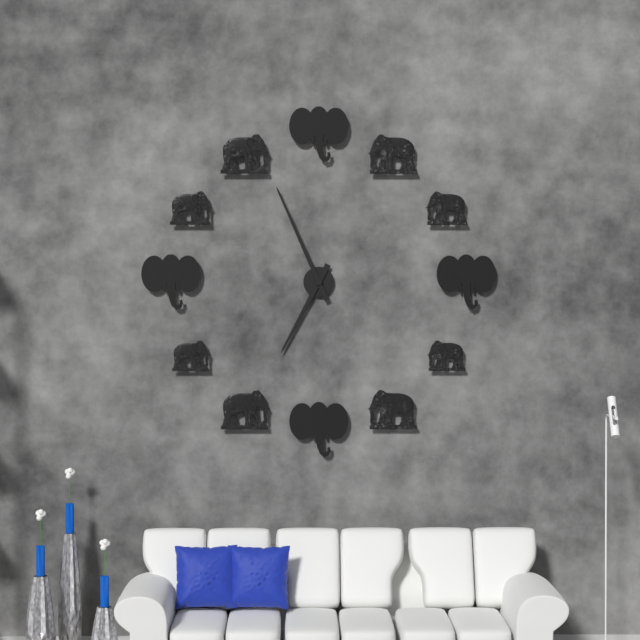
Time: **6:56**
